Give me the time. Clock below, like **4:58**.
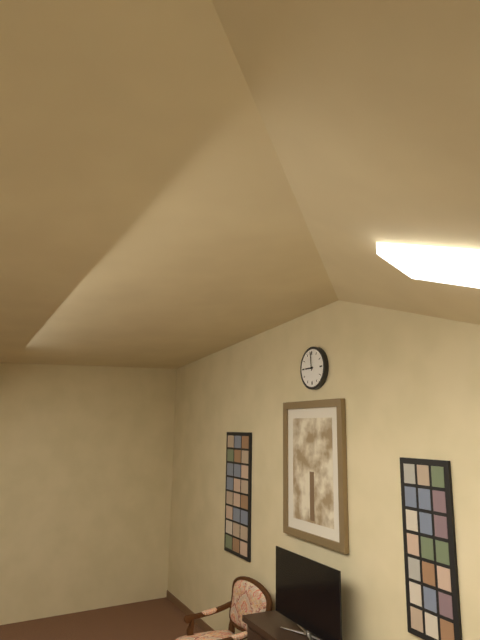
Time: **8:59**
